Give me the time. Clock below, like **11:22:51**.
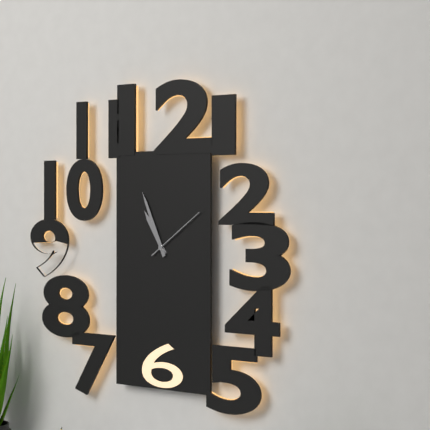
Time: **10:56:09**
